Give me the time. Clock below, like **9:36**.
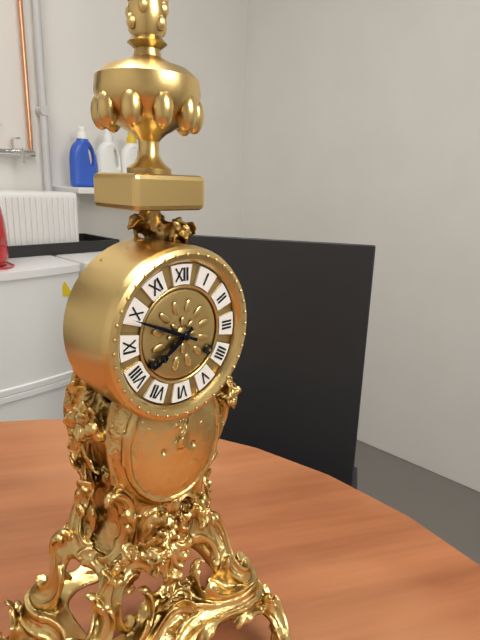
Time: **7:49**
